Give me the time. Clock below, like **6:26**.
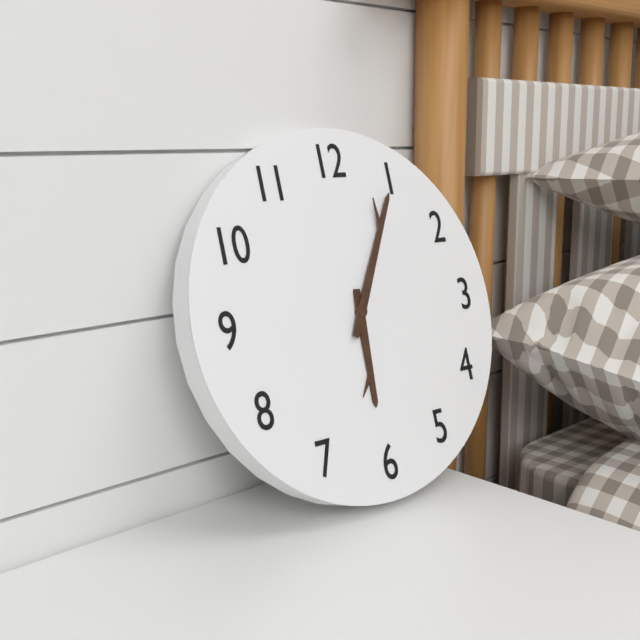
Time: **6:05**
